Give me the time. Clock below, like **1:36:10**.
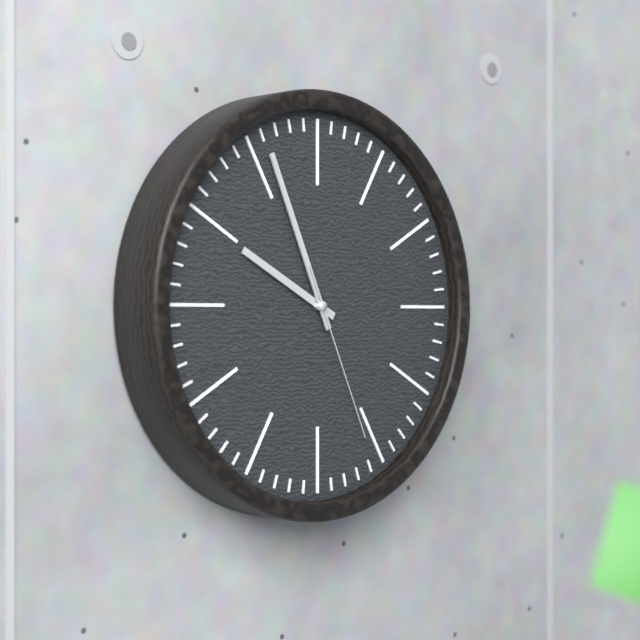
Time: **9:56:26**
